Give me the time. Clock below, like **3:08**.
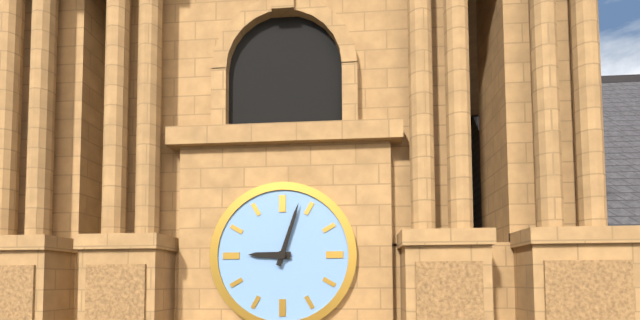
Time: **9:03**
